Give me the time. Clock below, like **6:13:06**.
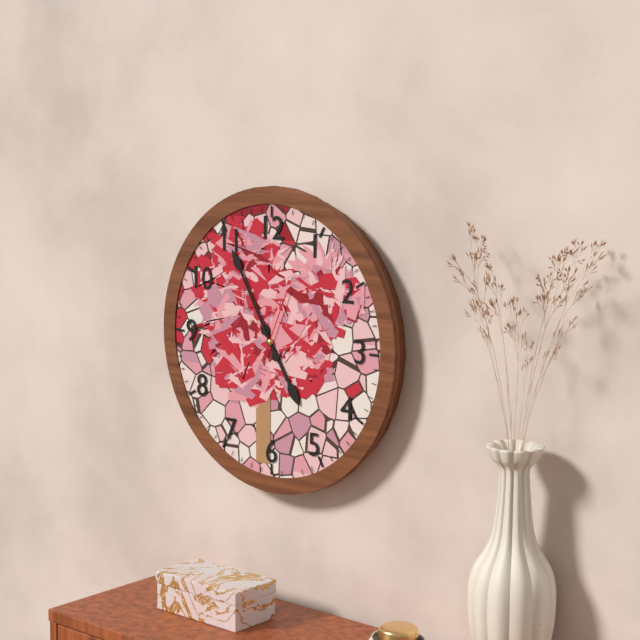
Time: **4:55:04**
